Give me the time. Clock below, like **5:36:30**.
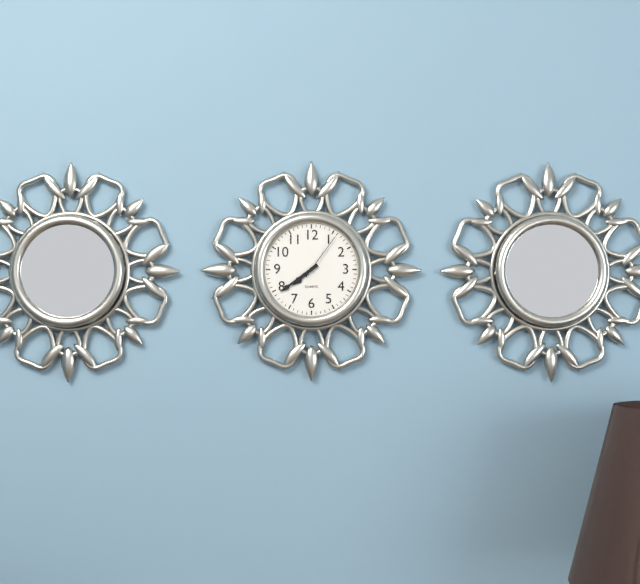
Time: **7:39:06**
